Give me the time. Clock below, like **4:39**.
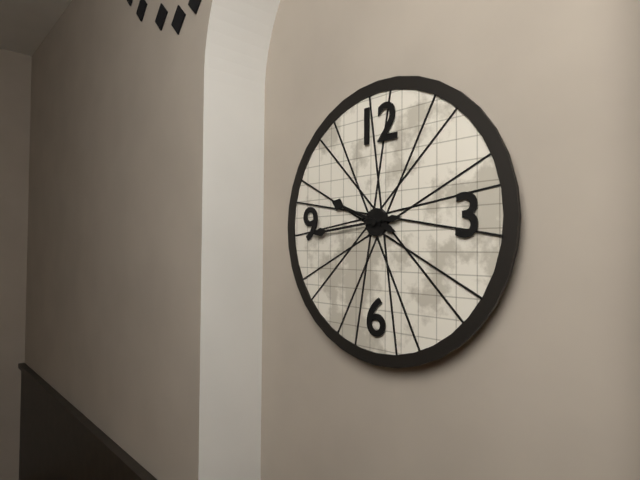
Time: **9:44**
